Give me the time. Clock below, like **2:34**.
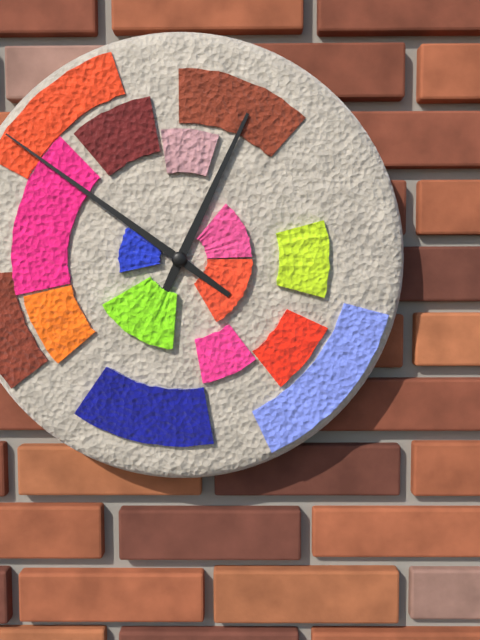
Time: **12:51**
